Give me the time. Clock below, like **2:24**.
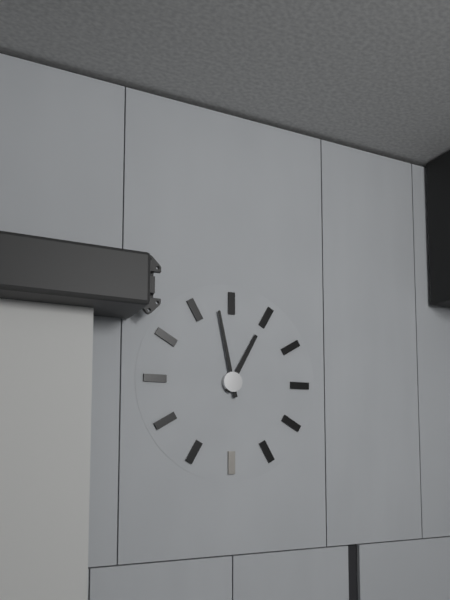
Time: **12:58**
